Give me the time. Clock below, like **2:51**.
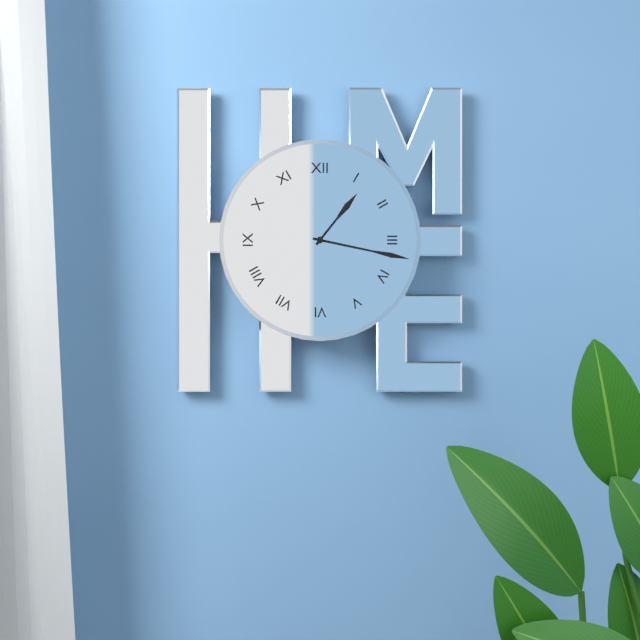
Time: **1:17**
